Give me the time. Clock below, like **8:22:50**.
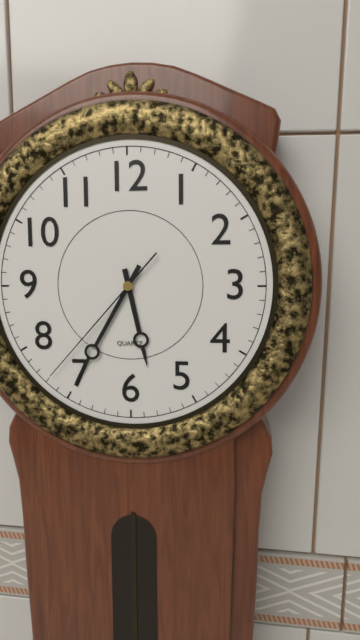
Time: **5:35:37**
